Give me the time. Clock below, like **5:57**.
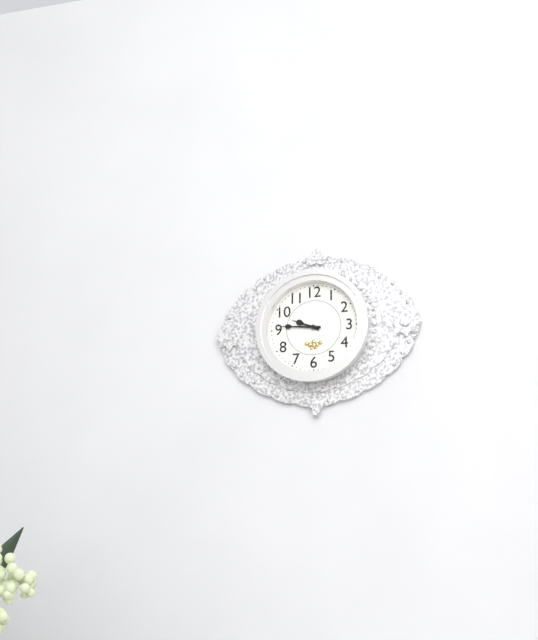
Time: **9:46**
